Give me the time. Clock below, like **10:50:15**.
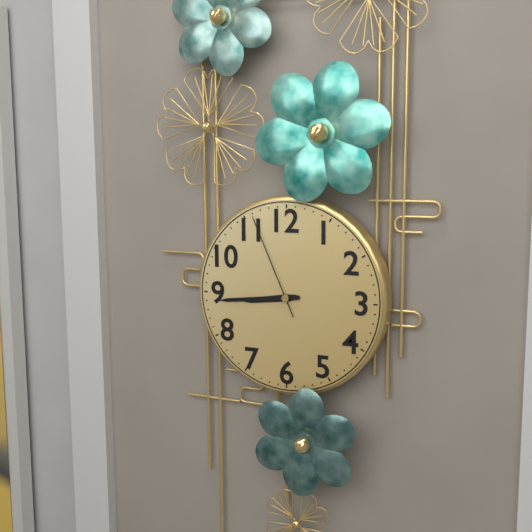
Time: **8:44:56**
